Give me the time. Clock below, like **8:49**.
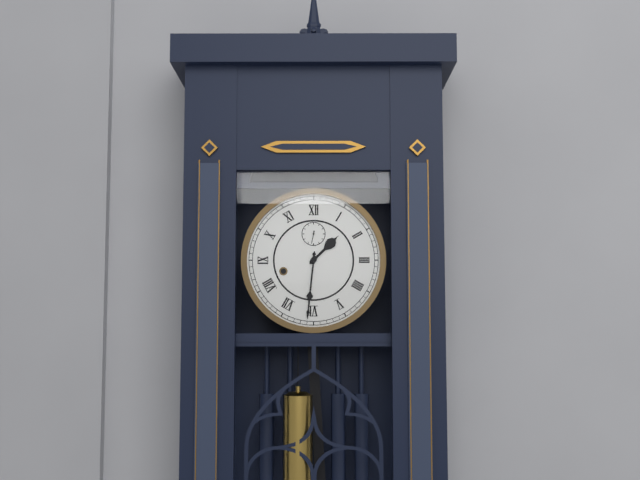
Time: **1:31**
